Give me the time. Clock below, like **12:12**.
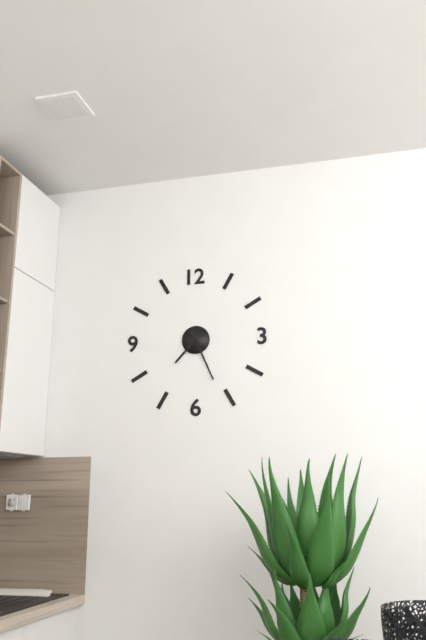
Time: **7:26**
